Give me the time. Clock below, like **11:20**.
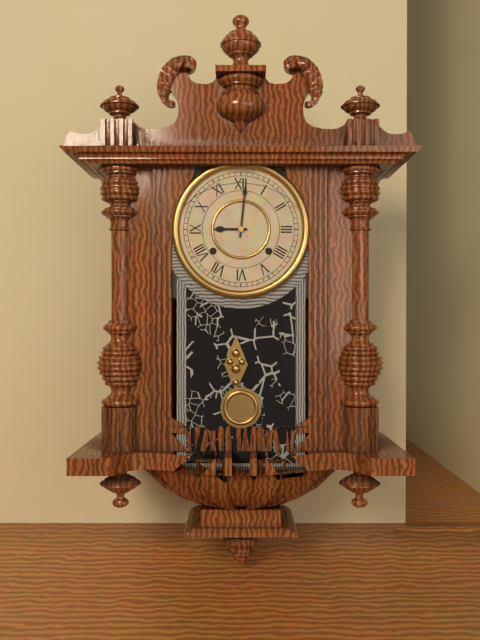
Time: **9:01**
